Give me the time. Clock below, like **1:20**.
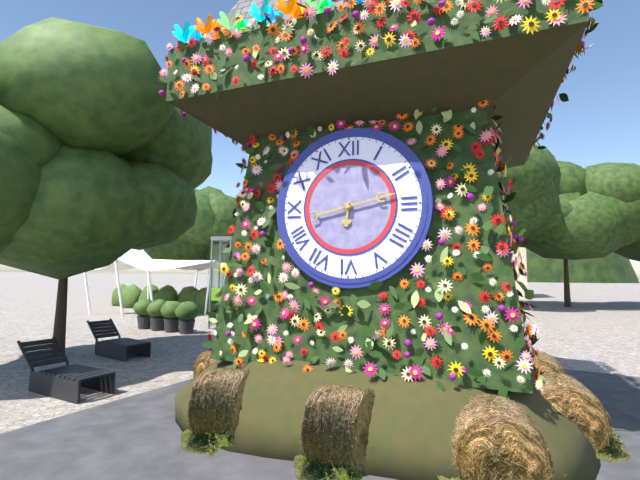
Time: **6:13**
